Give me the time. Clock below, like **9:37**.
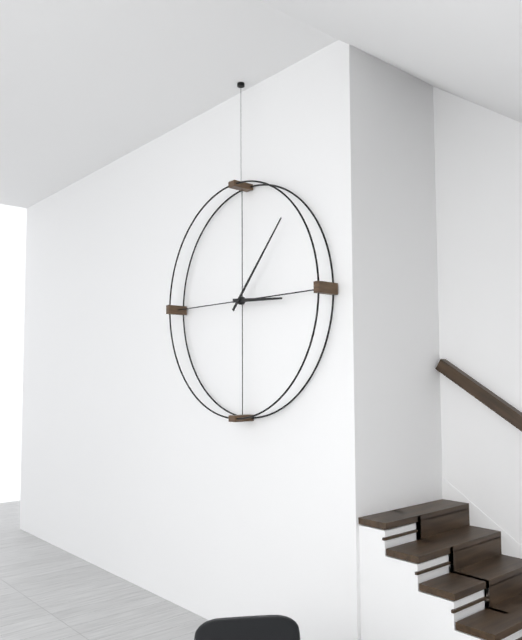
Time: **3:07**
